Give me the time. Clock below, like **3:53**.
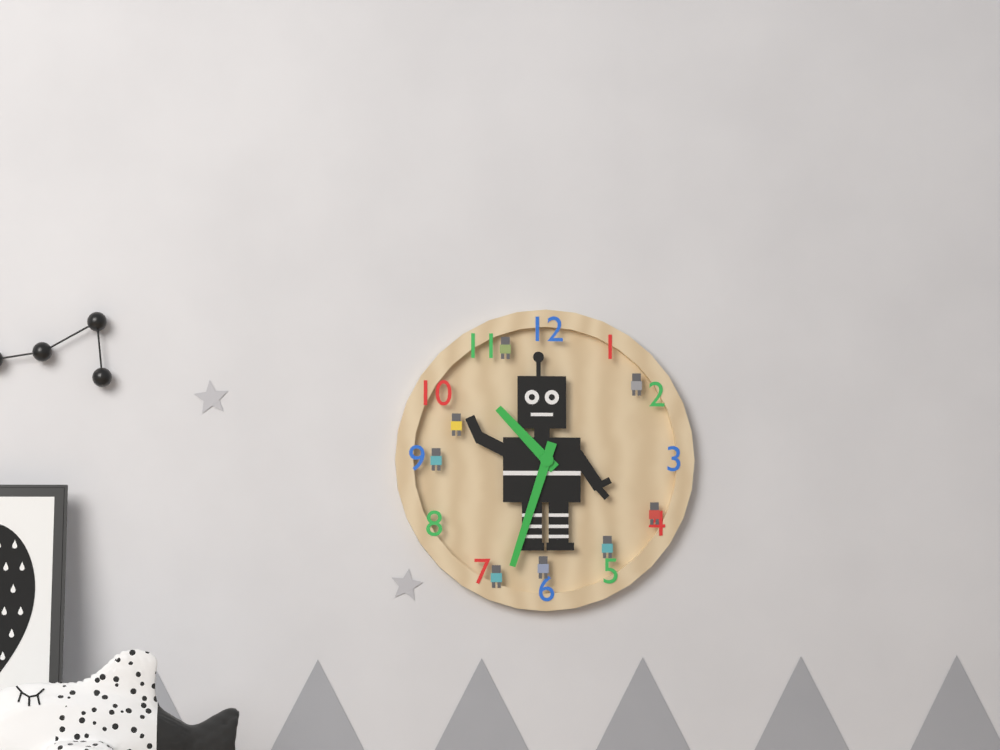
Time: **10:33**
